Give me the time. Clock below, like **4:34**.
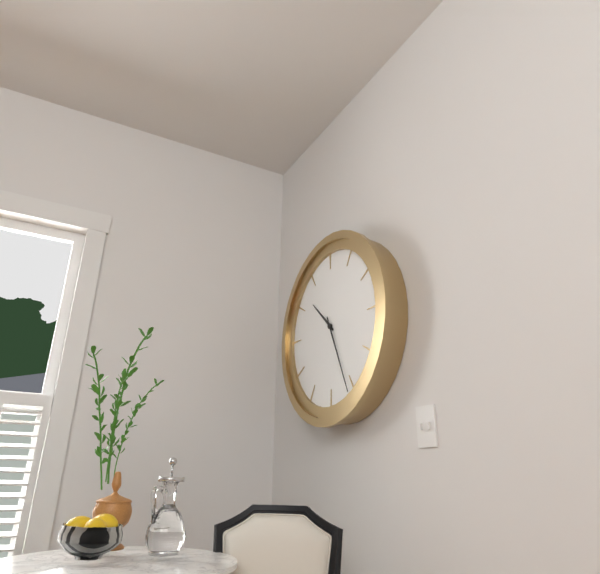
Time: **10:26**
